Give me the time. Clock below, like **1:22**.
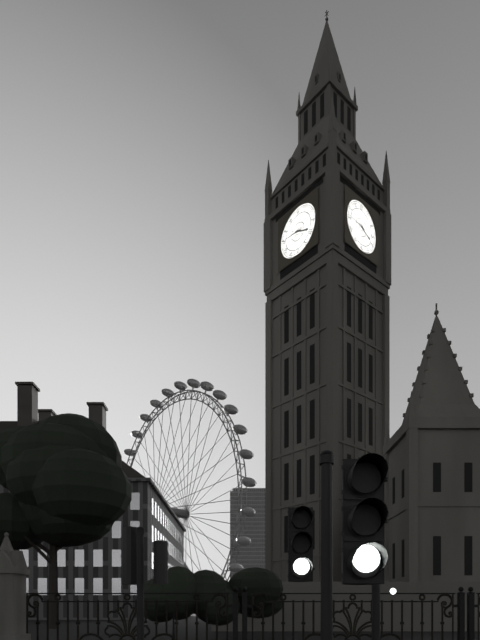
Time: **3:46**
